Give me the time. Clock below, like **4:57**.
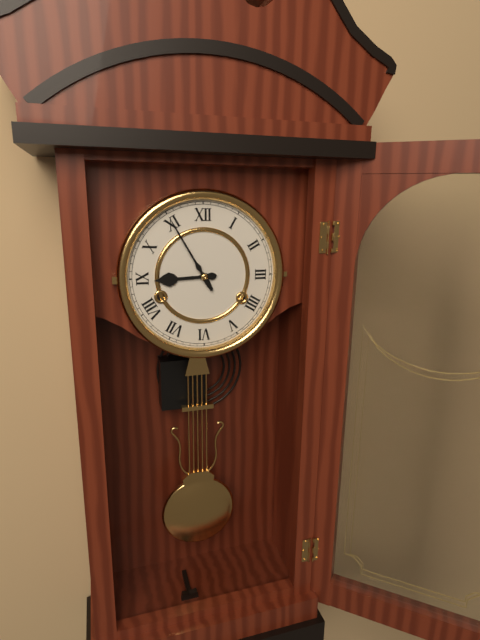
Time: **8:55**
